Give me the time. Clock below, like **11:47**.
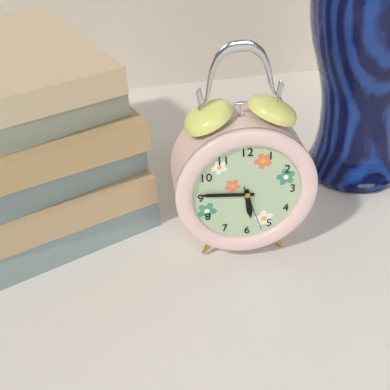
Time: **5:46**
